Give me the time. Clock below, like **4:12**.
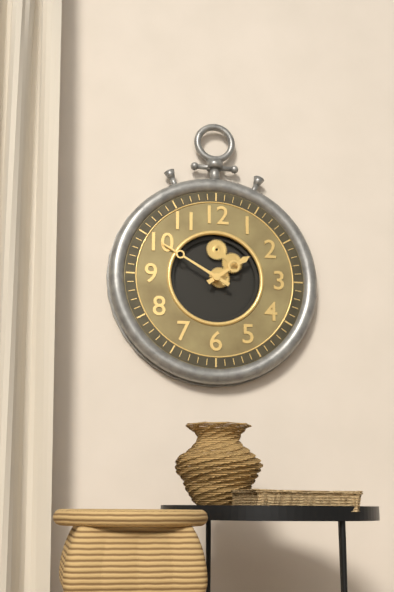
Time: **1:50**
